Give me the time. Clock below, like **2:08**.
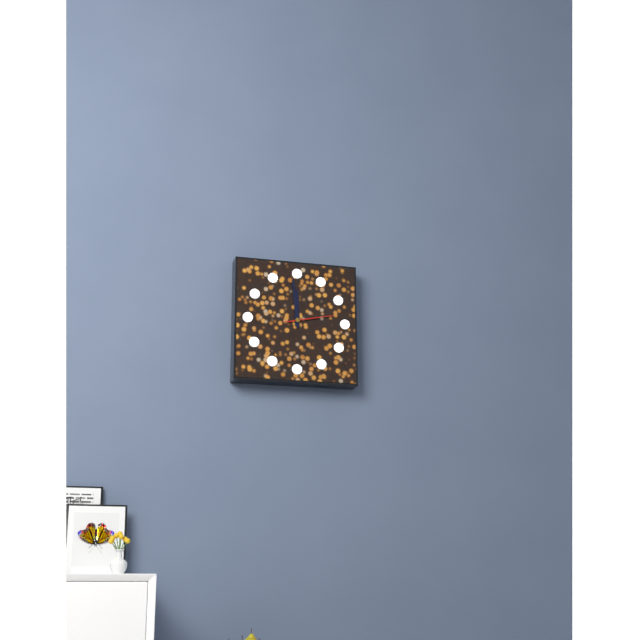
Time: **11:59**
